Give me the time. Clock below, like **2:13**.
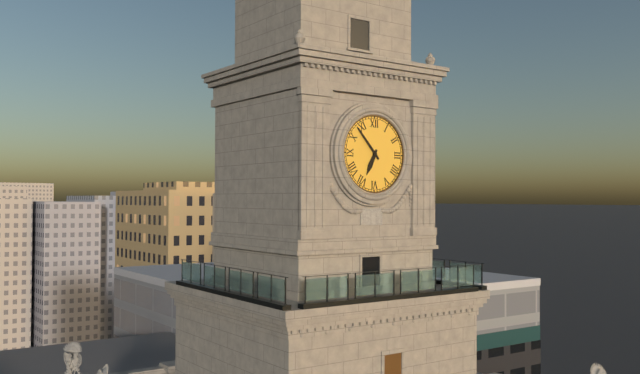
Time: **6:53**
